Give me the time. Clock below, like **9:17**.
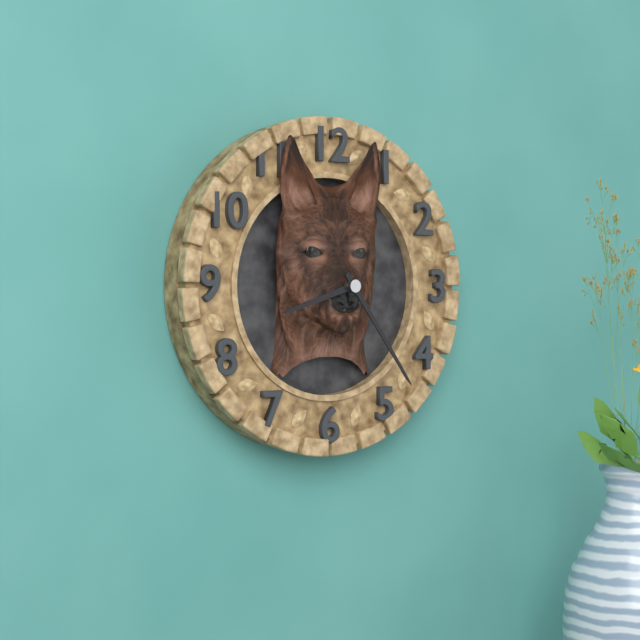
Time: **8:24**
